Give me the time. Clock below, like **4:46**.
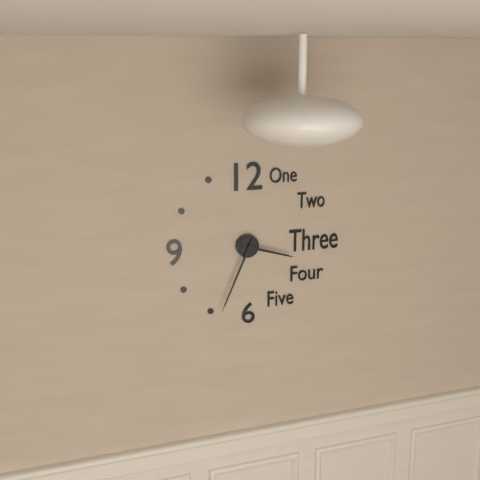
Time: **3:34**
